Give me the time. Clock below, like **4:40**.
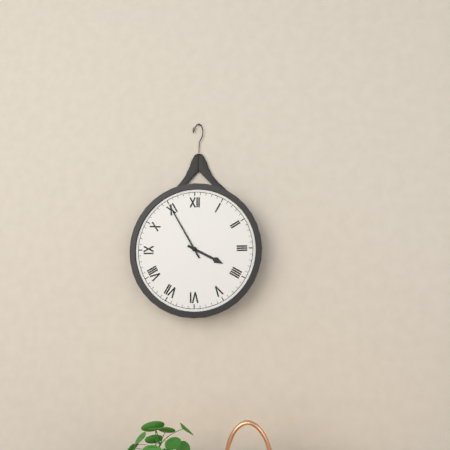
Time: **3:55**
